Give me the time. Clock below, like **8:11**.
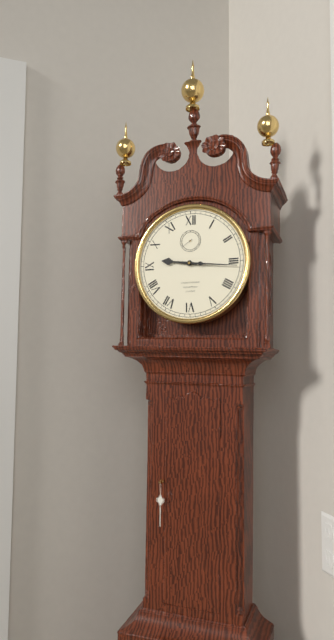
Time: **9:16**
